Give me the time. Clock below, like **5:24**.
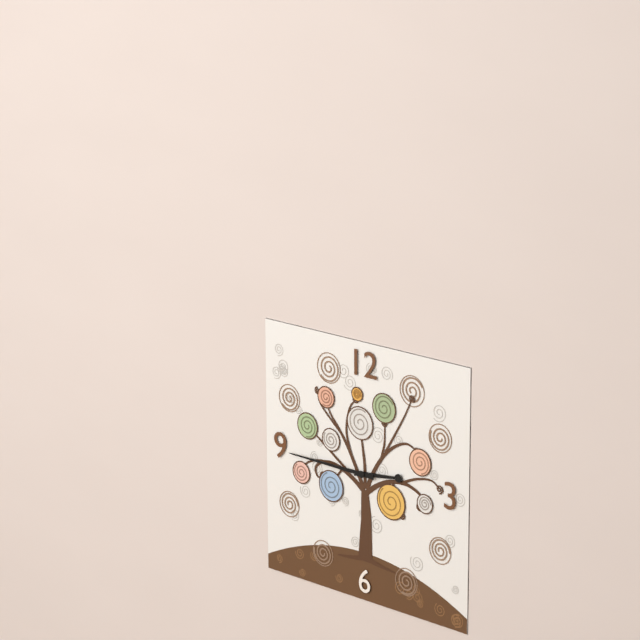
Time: **2:45**
